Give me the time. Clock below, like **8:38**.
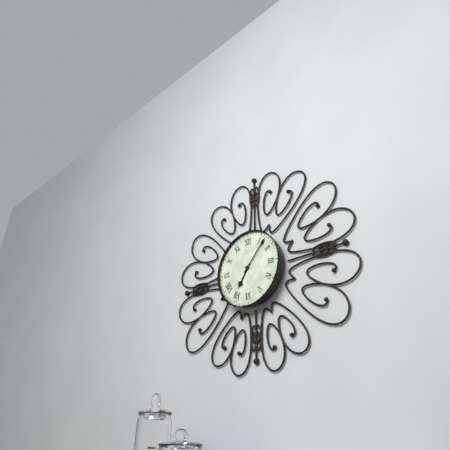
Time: **7:07**
